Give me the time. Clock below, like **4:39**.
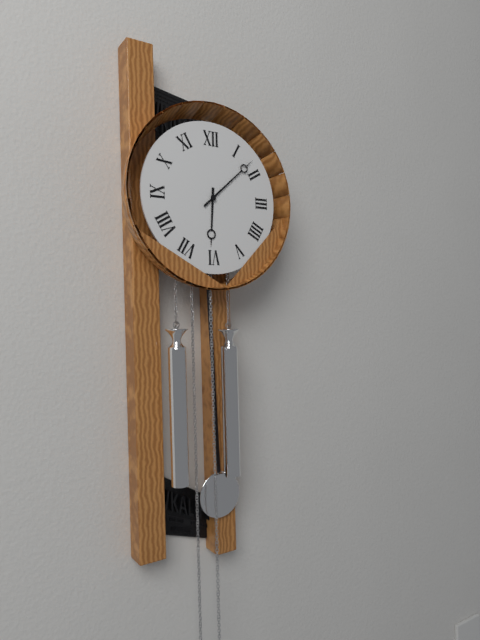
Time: **6:08**
